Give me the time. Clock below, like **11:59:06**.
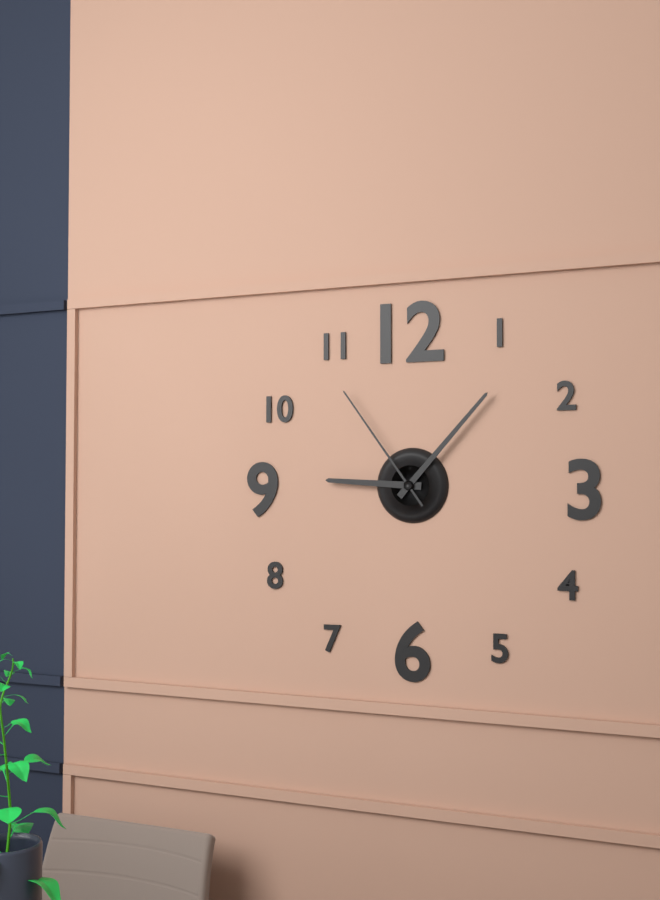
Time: **9:07:54**
